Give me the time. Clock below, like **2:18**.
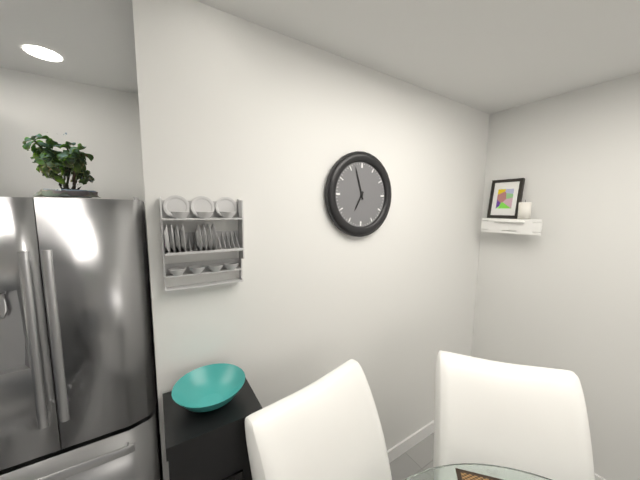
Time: **6:57**
